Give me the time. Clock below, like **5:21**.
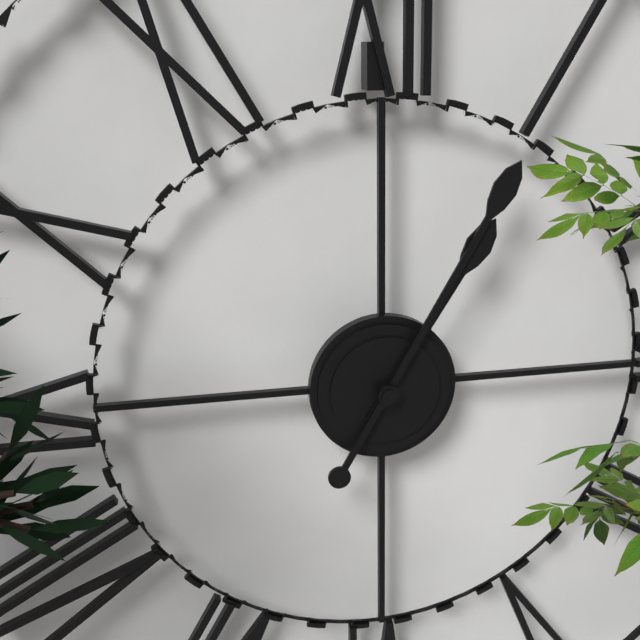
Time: **1:05**
